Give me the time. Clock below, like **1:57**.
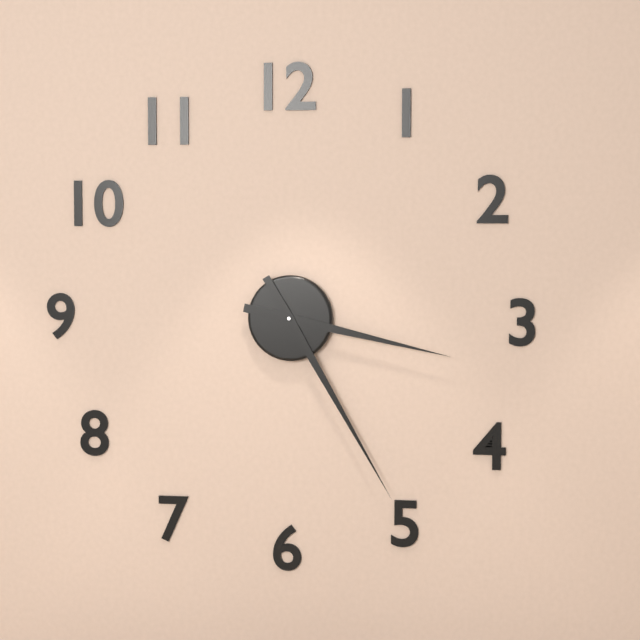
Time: **3:25**
